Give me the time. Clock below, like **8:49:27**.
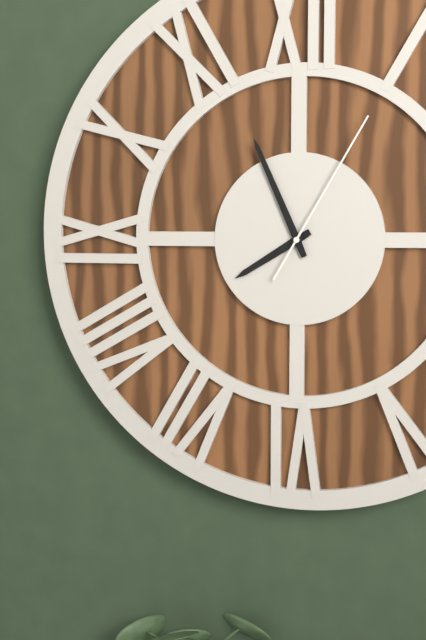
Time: **7:56:05**
